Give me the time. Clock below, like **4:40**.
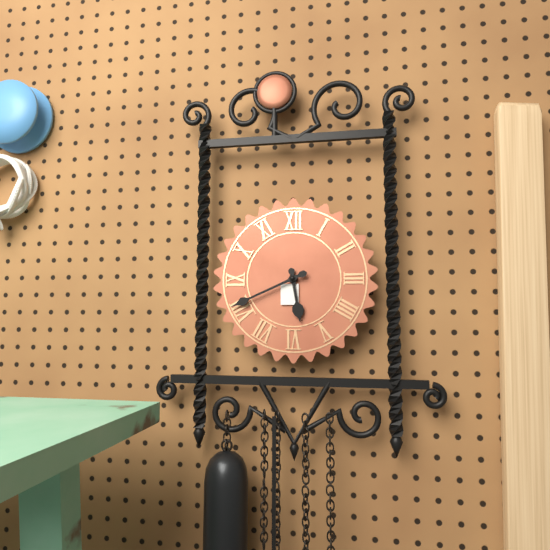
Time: **5:41**
